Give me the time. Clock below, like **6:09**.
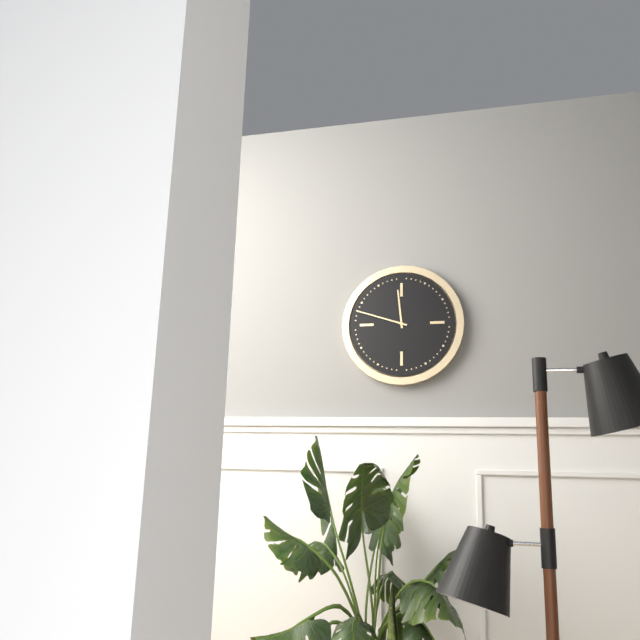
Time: **11:48**
